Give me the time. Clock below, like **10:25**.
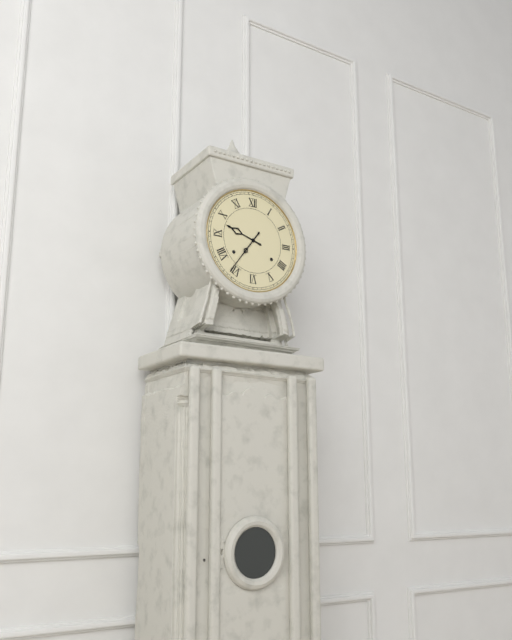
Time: **9:36**
